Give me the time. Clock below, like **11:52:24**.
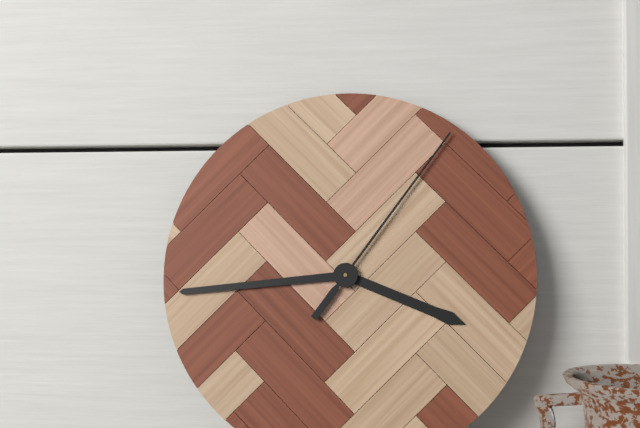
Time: **3:44:06**
